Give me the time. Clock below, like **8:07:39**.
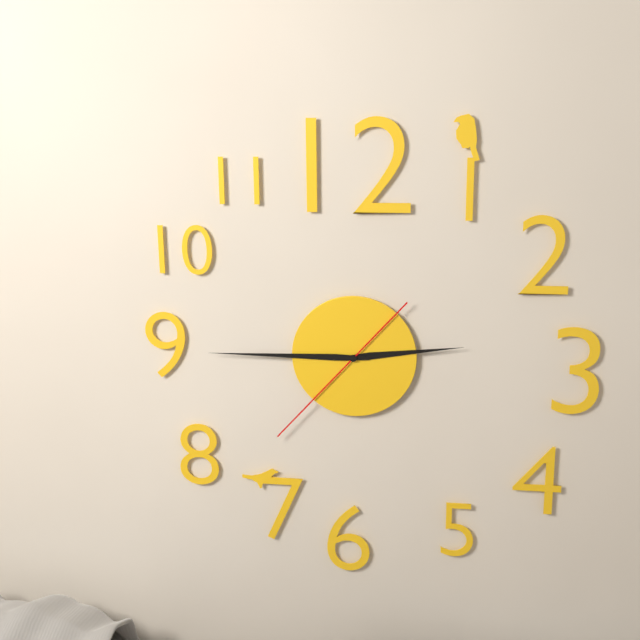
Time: **2:45:37**
